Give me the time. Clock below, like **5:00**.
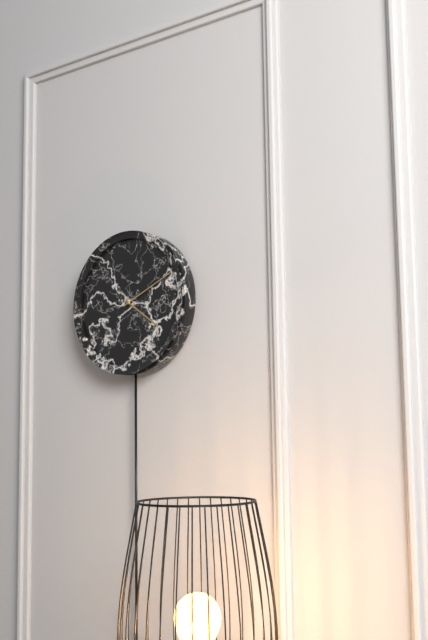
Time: **4:11**
